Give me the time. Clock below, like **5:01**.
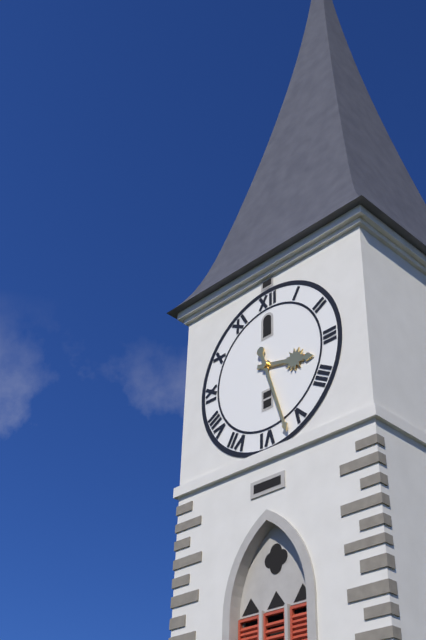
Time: **3:27**
